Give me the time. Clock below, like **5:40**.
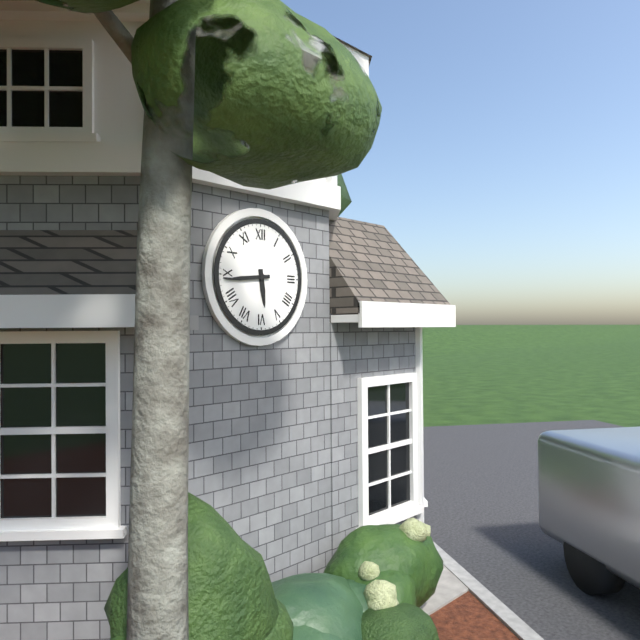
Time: **5:44**
